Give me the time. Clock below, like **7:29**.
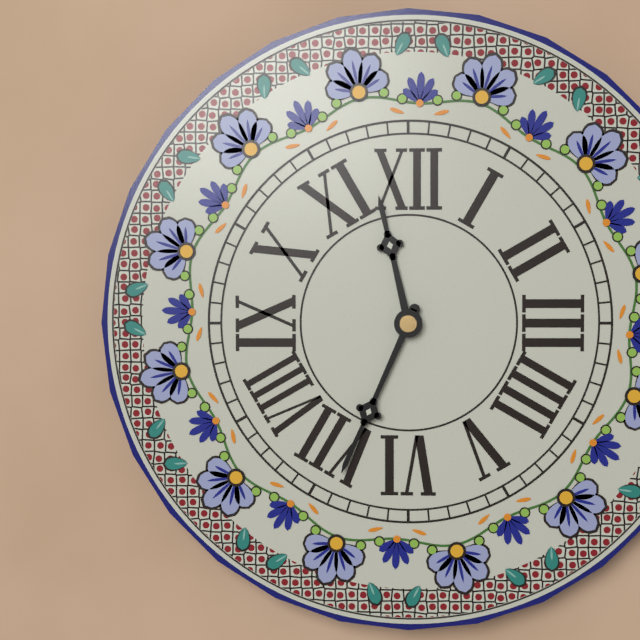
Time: **11:34**
